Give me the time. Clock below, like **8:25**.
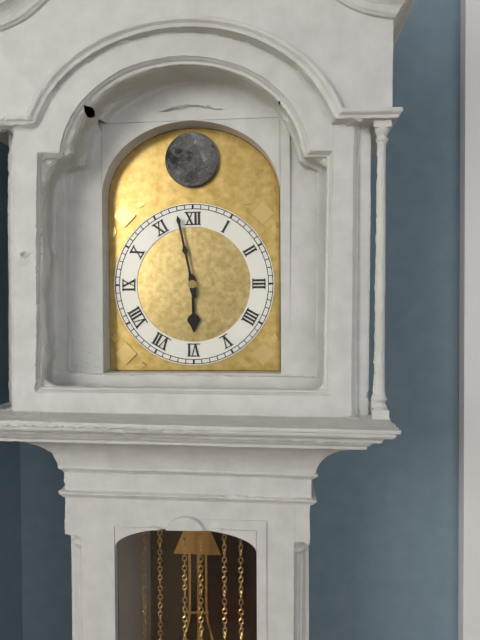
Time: **5:58**
